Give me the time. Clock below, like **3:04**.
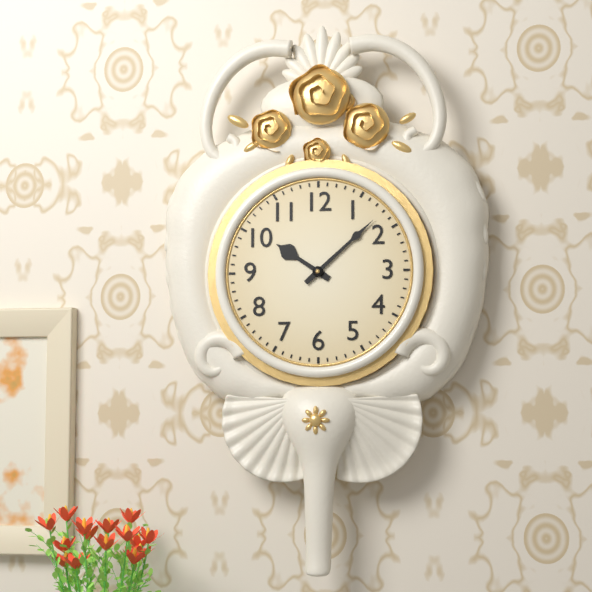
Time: **10:08**
